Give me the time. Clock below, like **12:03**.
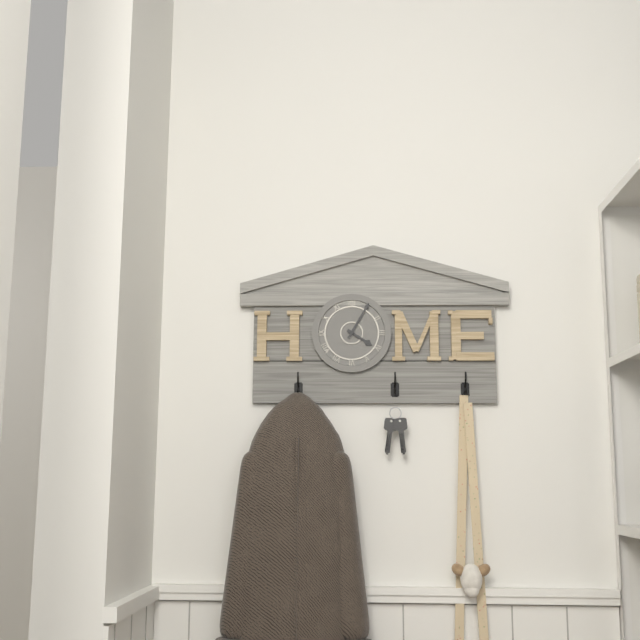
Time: **4:05**
